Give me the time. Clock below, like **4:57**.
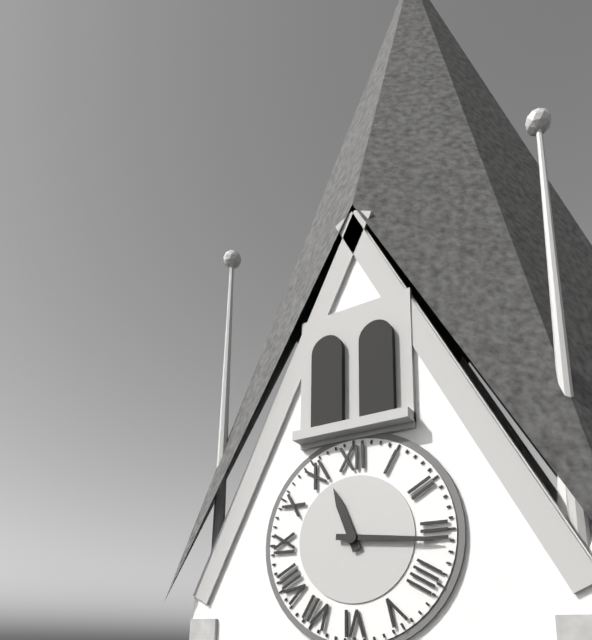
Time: **11:16**
